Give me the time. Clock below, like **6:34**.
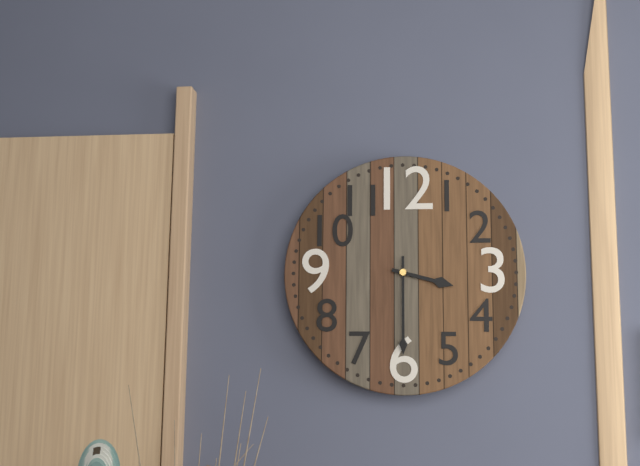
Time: **3:30**
